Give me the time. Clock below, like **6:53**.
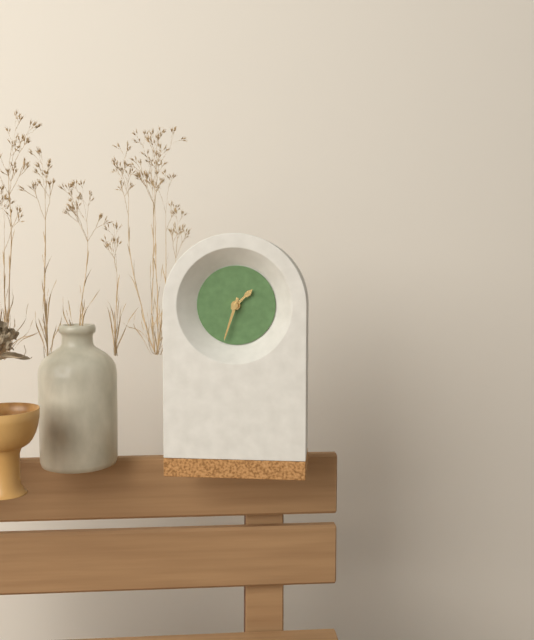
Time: **1:33**
